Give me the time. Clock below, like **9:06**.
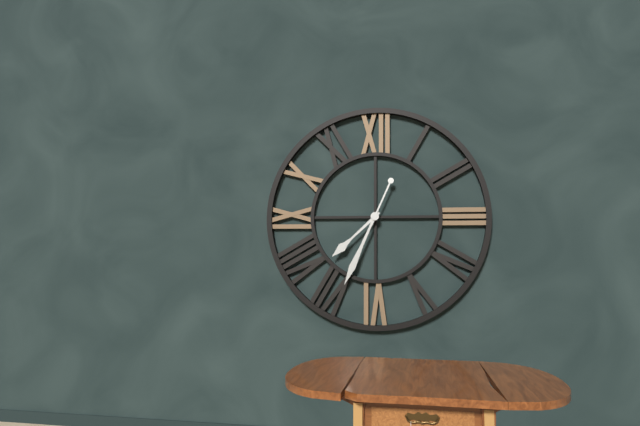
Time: **7:34**
